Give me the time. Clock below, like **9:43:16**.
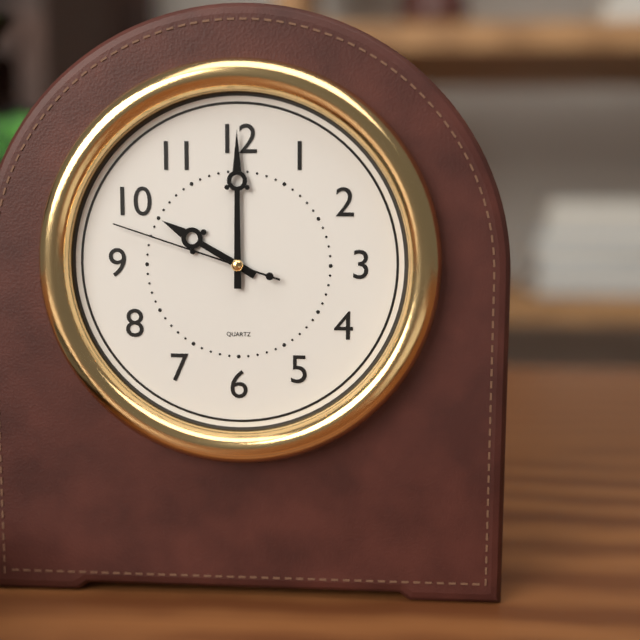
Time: **10:00:48**
